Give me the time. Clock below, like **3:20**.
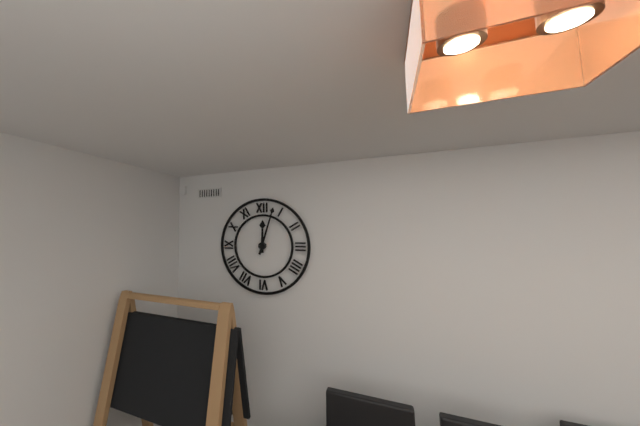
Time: **12:03**
